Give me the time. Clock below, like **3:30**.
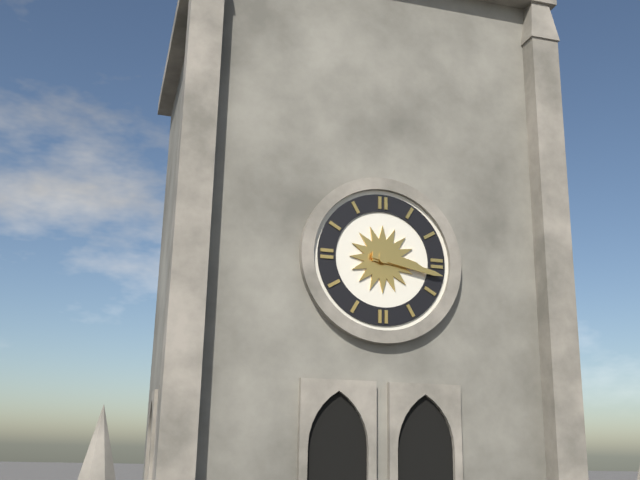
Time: **3:17**
